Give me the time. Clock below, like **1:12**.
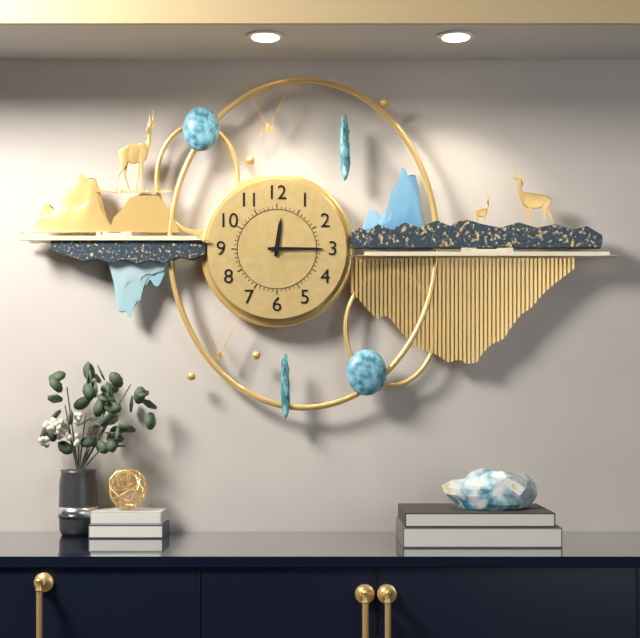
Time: **12:15**
